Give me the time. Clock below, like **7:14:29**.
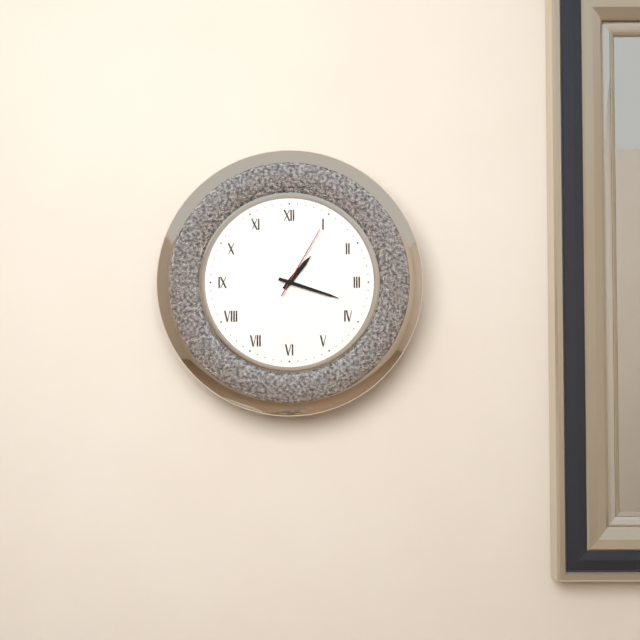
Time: **1:18:05**
